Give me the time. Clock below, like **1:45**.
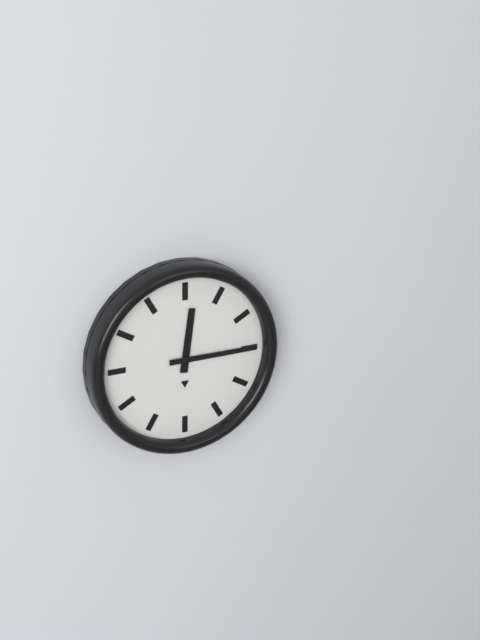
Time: **12:15**
